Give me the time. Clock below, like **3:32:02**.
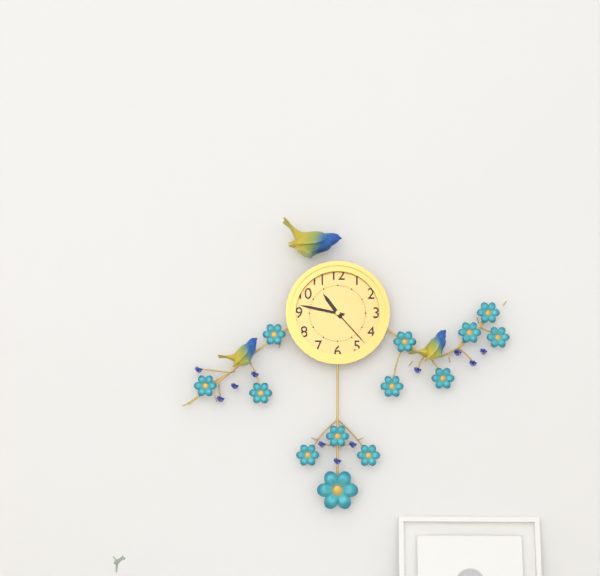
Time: **10:47:23**
